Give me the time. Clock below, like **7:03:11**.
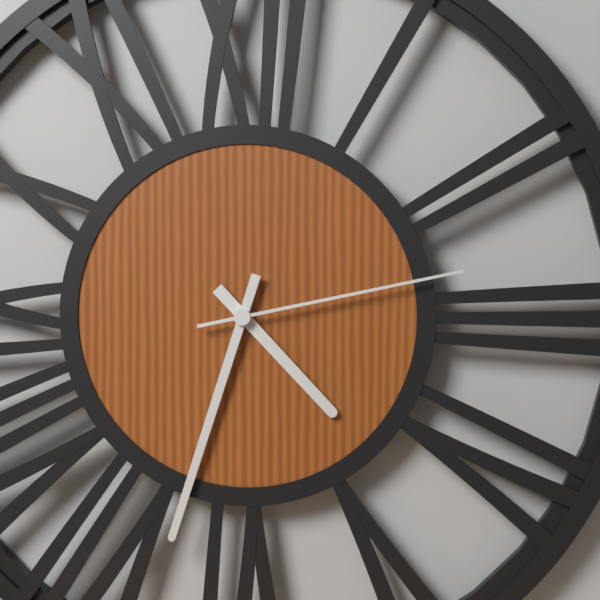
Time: **4:33:13**
